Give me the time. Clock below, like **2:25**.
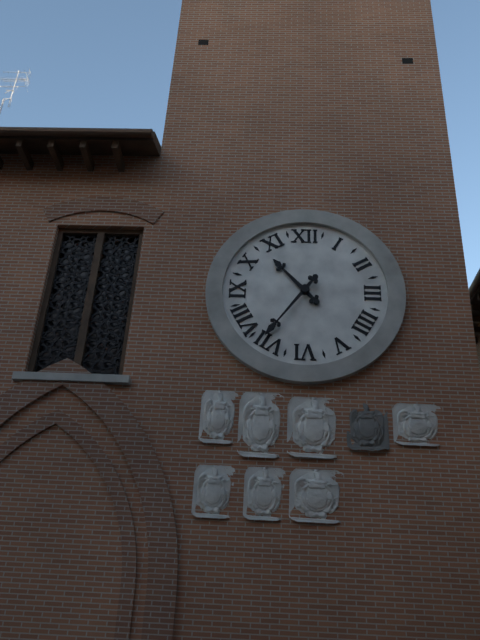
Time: **10:36**
